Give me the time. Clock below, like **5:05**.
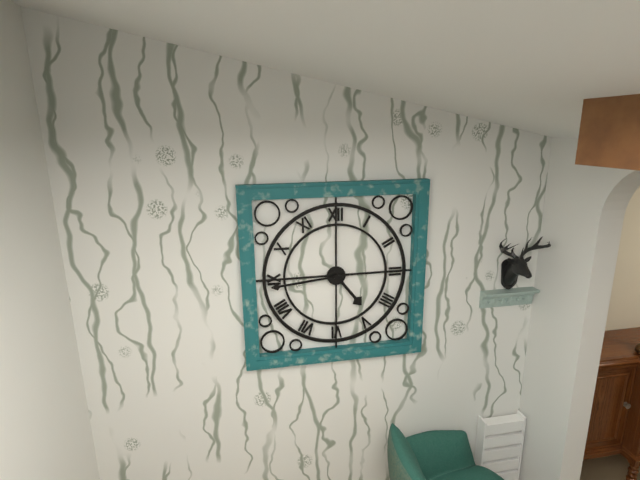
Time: **4:44**
